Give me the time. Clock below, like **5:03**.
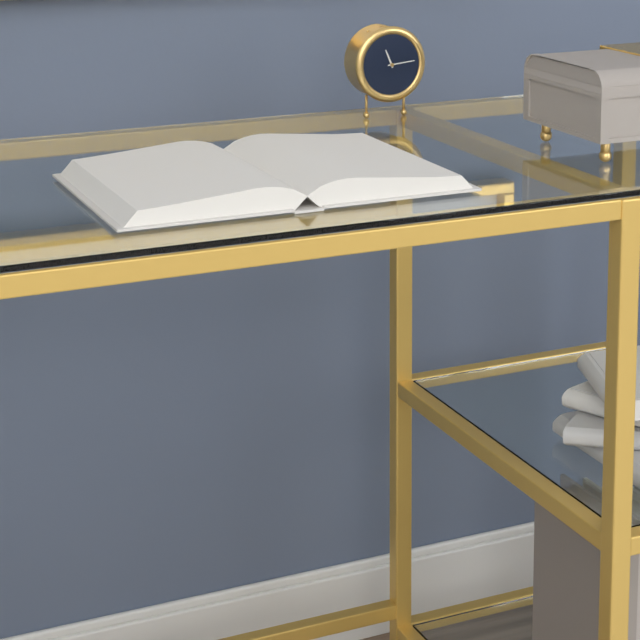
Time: **11:14**
